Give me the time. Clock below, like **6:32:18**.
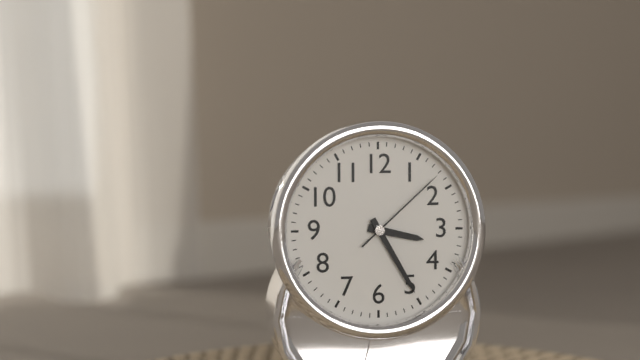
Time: **3:25:08**
